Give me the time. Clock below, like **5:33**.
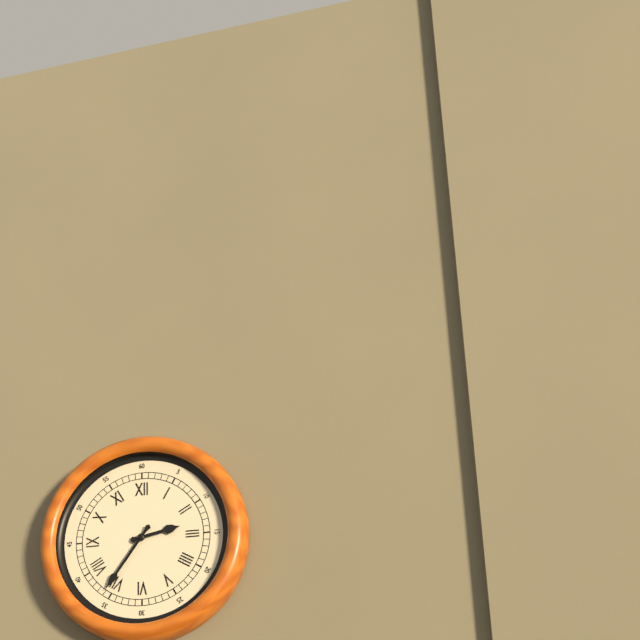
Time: **2:36**
